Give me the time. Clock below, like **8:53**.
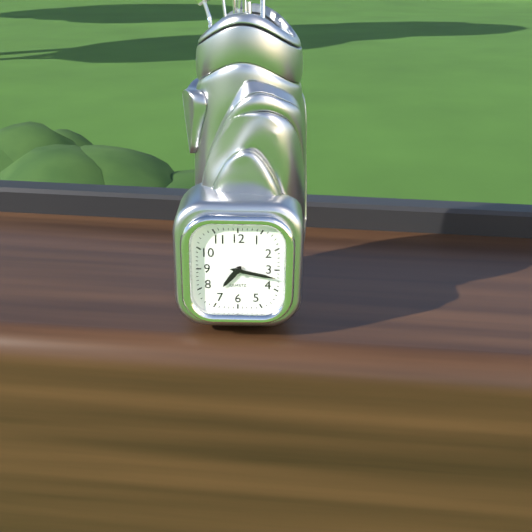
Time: **7:17**
